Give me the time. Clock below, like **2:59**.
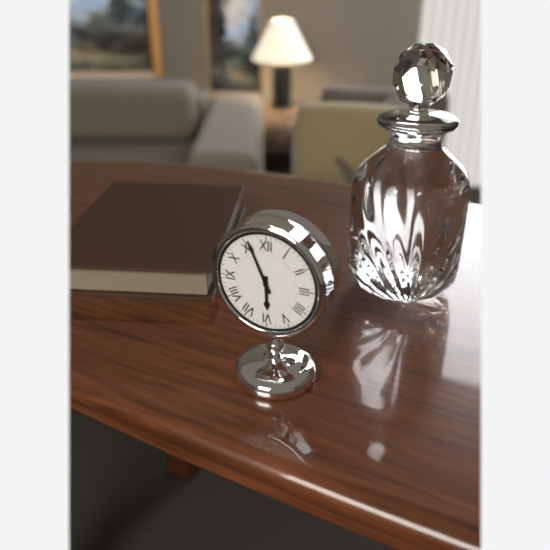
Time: **5:56**
